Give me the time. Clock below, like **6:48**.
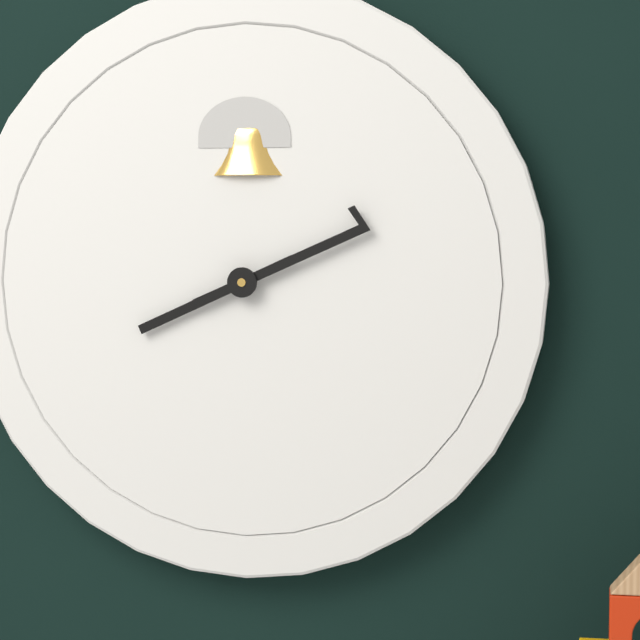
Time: **8:11**
